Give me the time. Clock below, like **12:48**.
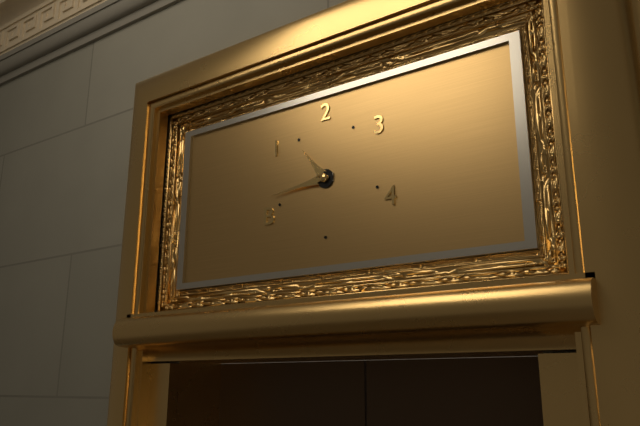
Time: **10:44**
